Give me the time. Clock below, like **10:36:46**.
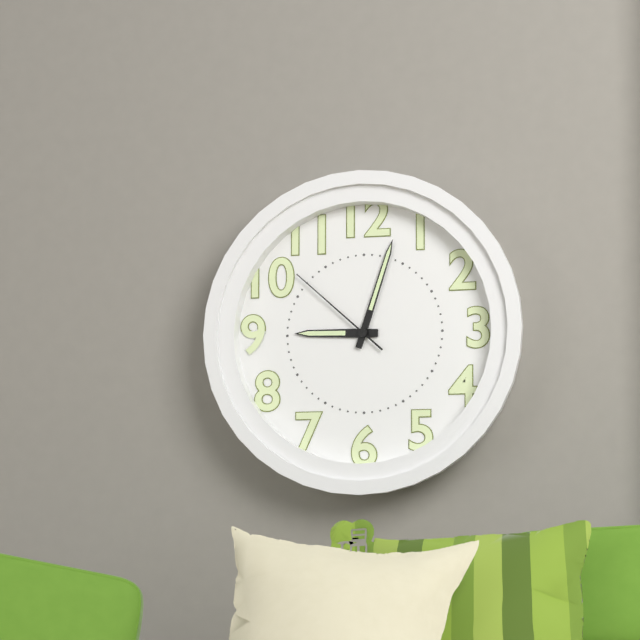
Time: **9:03:52**
